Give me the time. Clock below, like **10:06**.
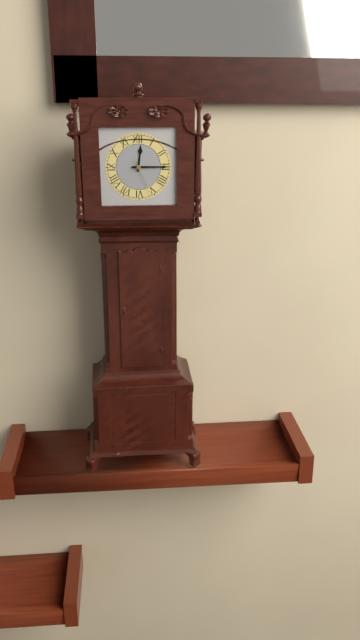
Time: **12:15**
